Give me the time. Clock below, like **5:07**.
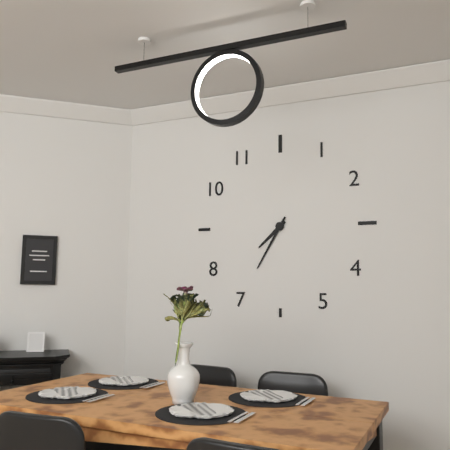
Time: **7:35**
